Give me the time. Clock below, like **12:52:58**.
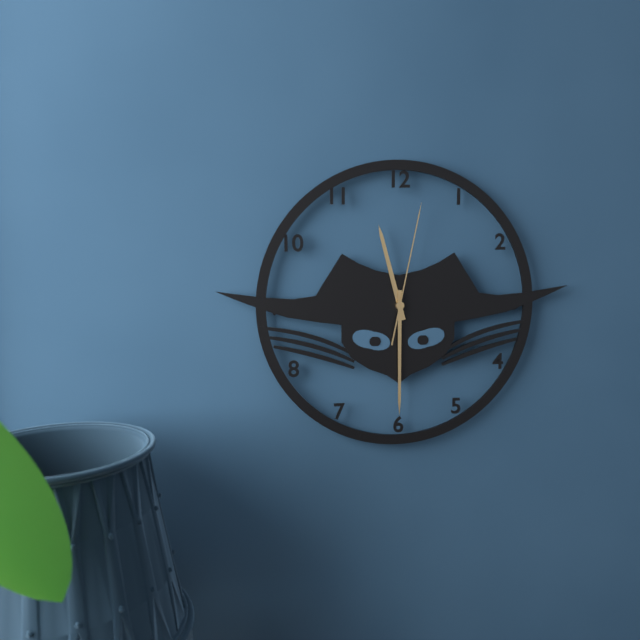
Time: **11:30:02**
